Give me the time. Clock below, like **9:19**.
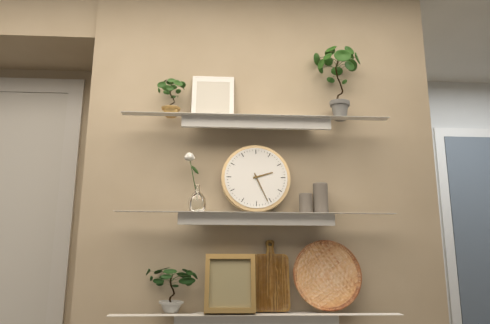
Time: **2:26**
